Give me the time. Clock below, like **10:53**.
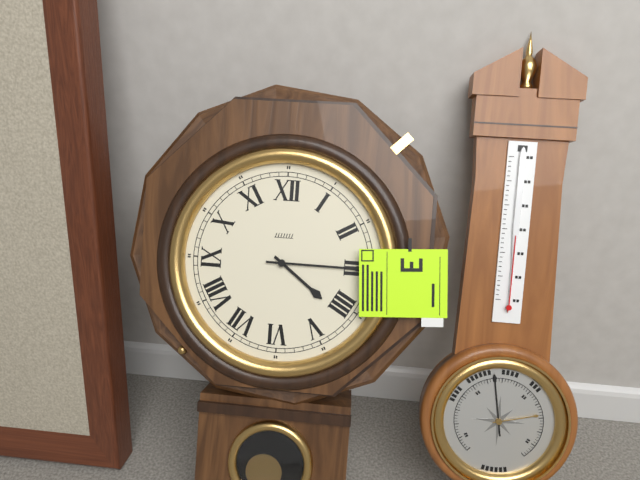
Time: **4:15**
